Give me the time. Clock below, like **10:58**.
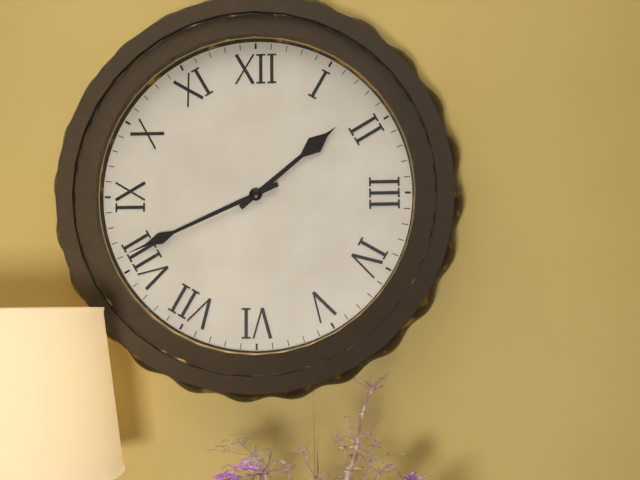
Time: **1:41**
